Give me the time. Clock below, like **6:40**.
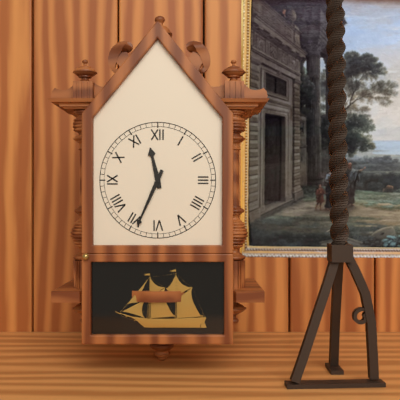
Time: **11:34**
